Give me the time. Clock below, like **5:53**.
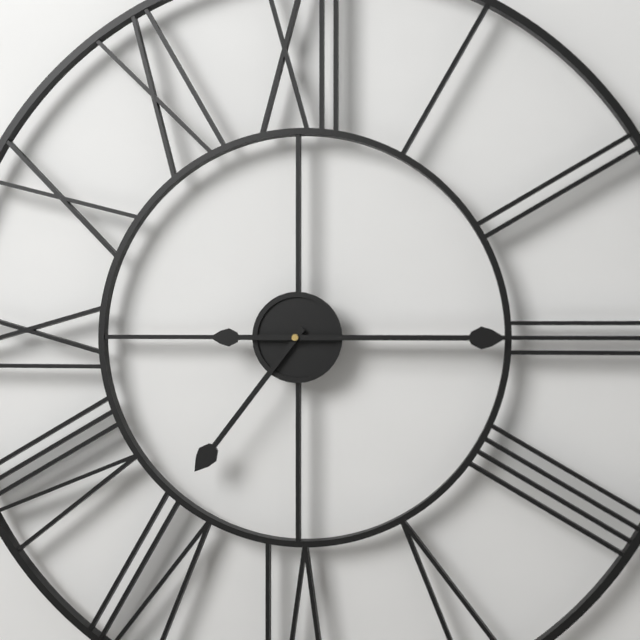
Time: **7:15**
